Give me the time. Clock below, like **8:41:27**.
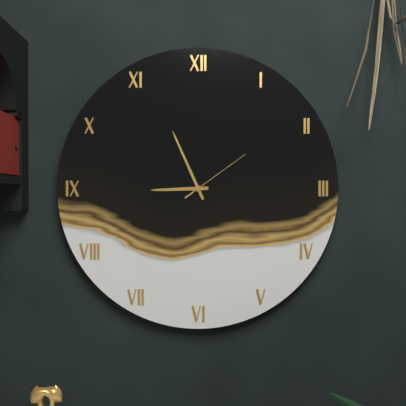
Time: **8:56:09**
